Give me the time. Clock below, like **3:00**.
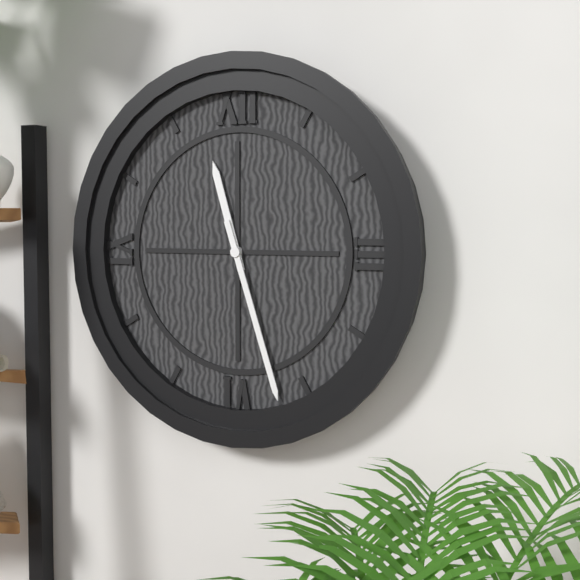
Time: **11:27**
